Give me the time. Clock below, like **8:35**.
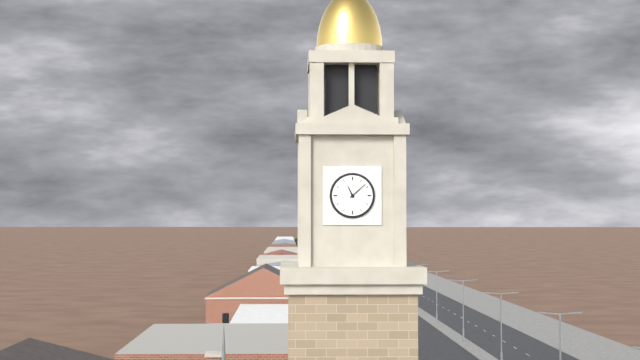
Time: **11:08**
